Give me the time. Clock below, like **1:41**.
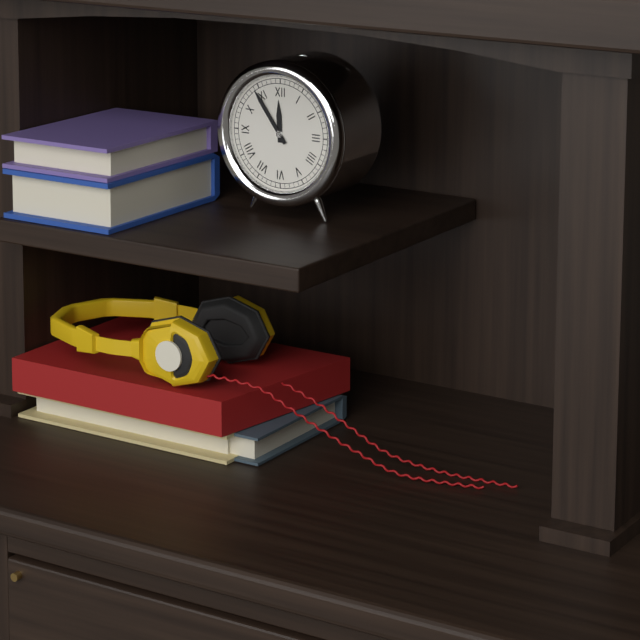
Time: **11:54**
